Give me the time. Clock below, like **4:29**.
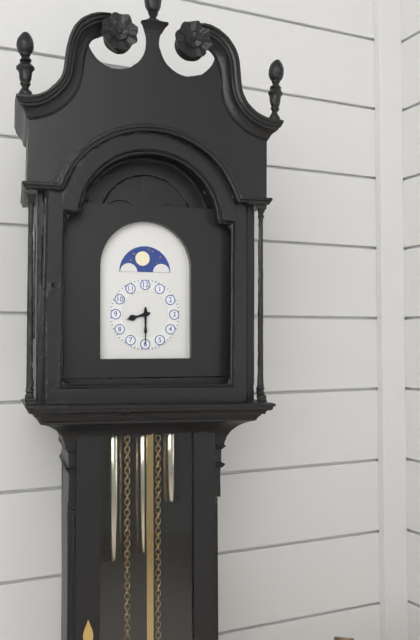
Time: **8:30**
